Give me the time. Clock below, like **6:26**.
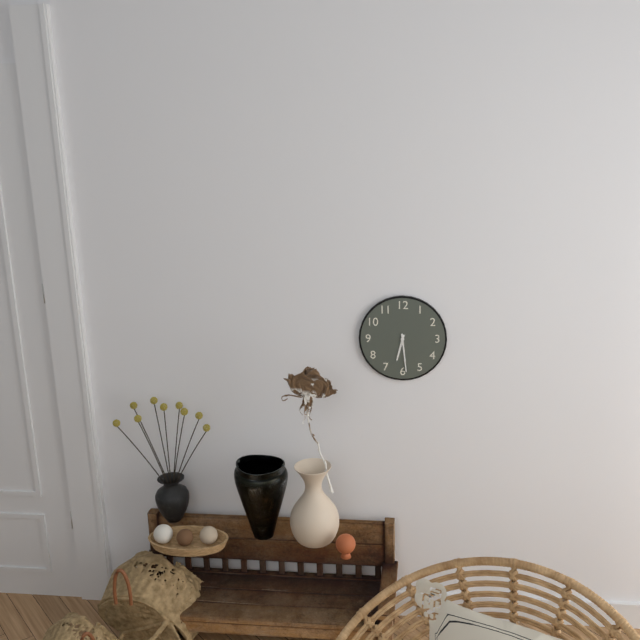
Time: **6:29**
